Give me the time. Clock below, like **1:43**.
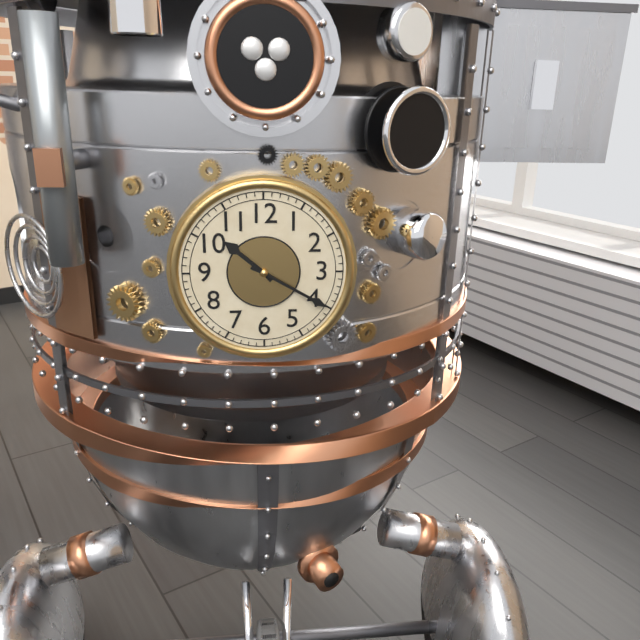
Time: **10:20**
